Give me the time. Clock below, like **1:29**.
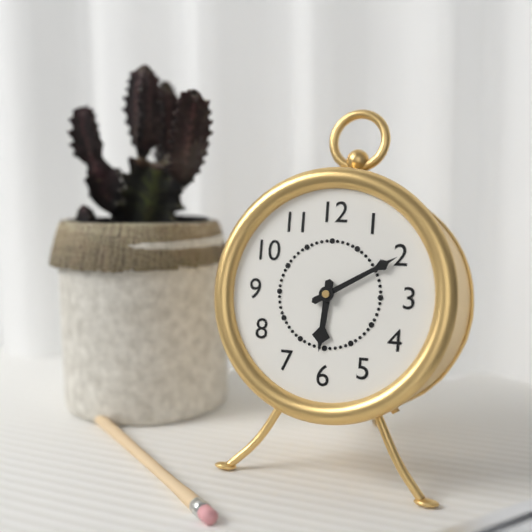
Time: **6:10**
